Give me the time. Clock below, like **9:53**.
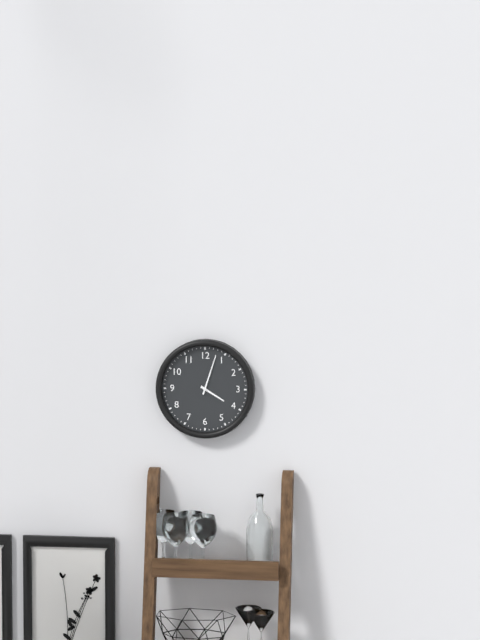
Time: **4:03**
